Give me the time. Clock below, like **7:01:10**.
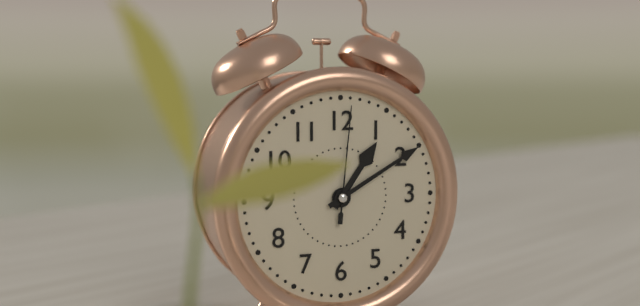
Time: **1:10:01**
